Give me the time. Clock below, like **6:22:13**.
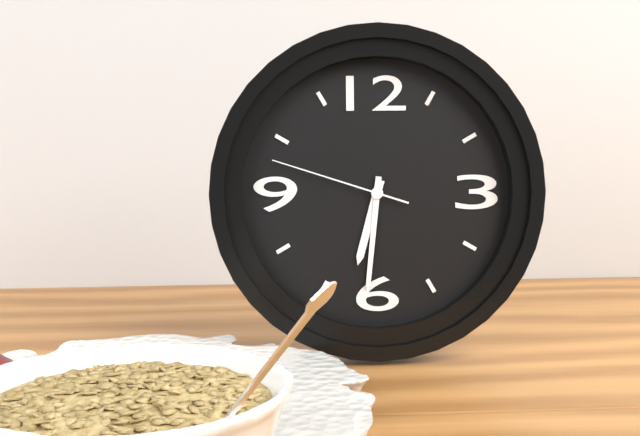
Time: **6:31:48**
